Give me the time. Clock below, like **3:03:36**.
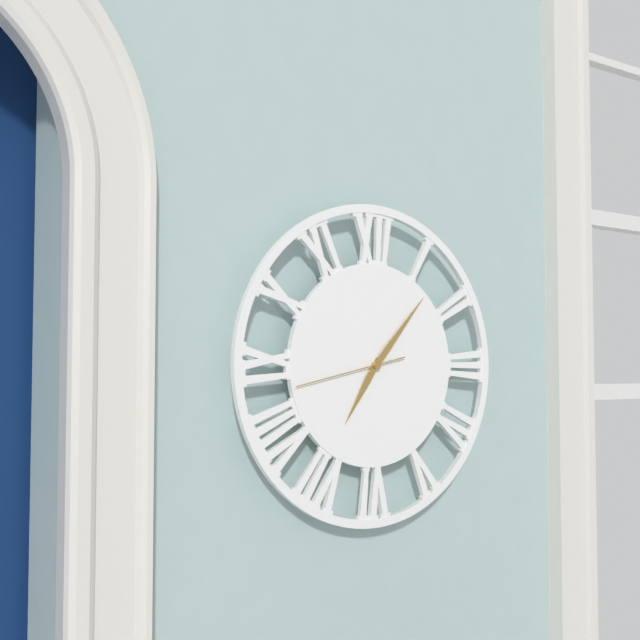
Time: **7:07:43**
